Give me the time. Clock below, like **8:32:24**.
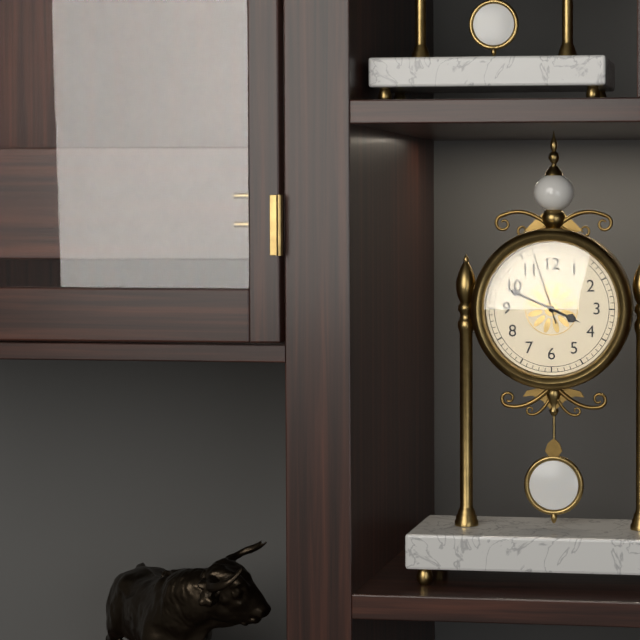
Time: **3:49:57**
